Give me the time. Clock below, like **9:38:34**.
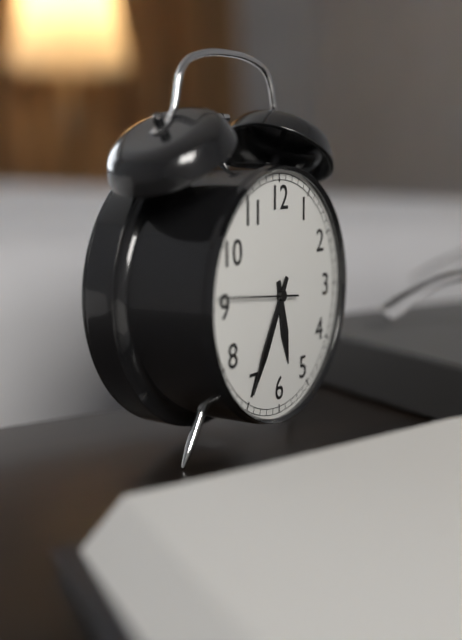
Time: **5:35:46**
